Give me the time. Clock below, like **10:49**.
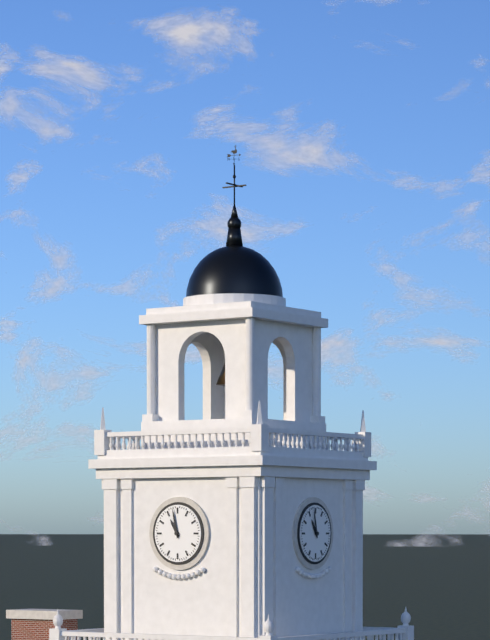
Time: **10:58**
